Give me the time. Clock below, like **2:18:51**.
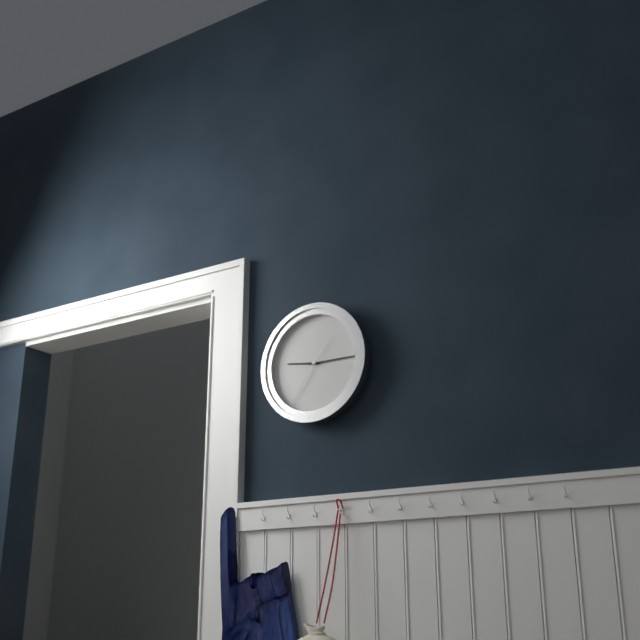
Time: **9:15:36**
